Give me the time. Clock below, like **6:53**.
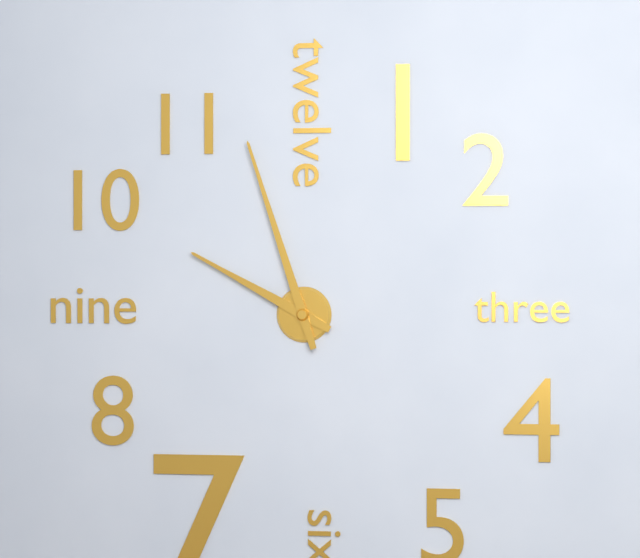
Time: **9:57**
